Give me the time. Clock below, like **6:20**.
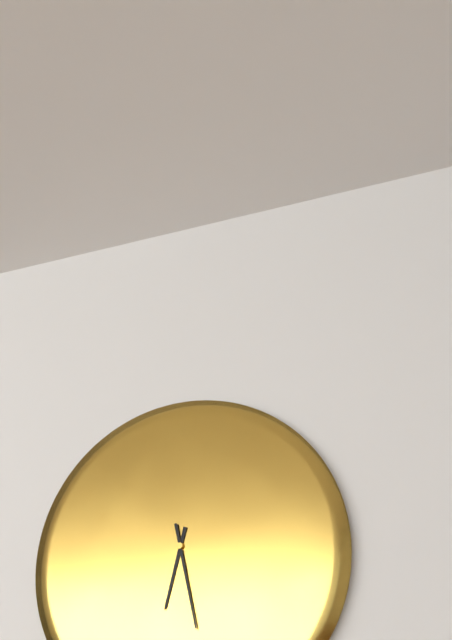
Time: **6:28**
